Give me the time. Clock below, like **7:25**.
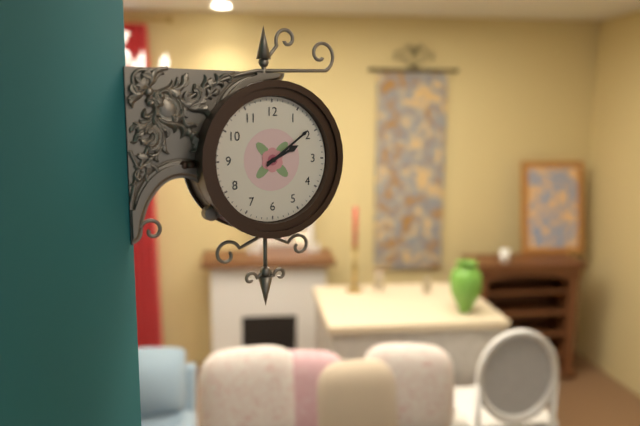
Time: **2:09**
